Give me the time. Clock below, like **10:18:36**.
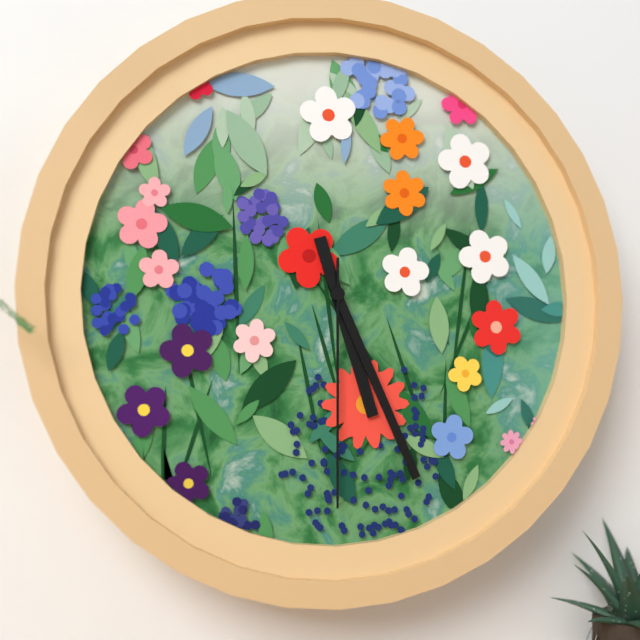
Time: **5:26:30**
